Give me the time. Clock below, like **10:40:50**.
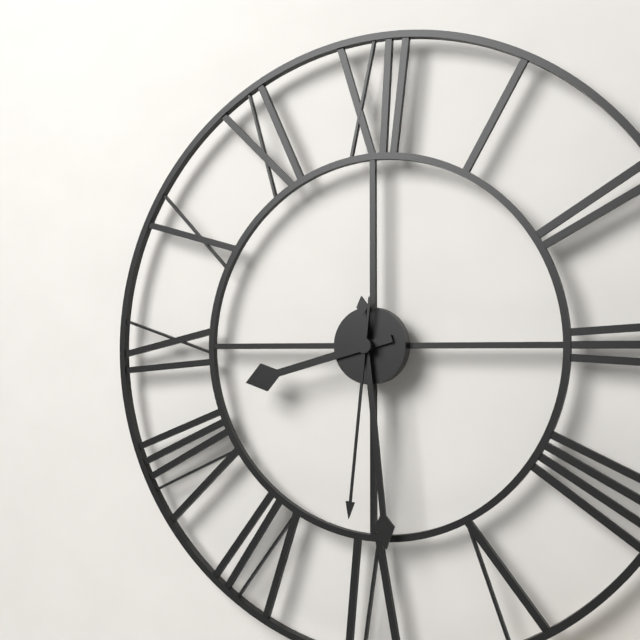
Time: **8:29:31**
